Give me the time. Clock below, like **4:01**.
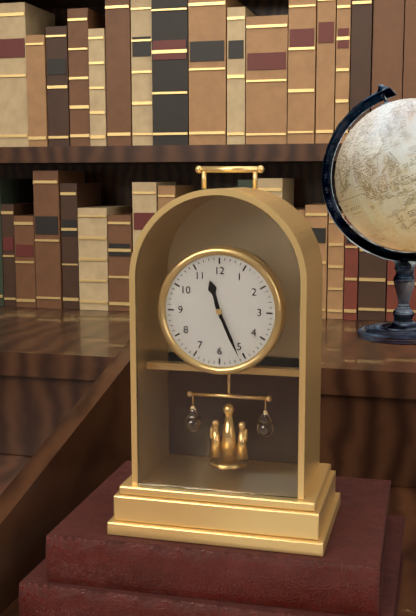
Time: **11:26**
